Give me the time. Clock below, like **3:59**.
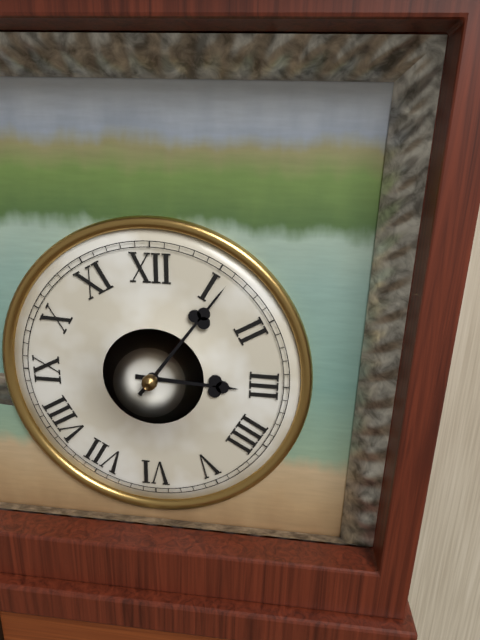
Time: **3:06**
